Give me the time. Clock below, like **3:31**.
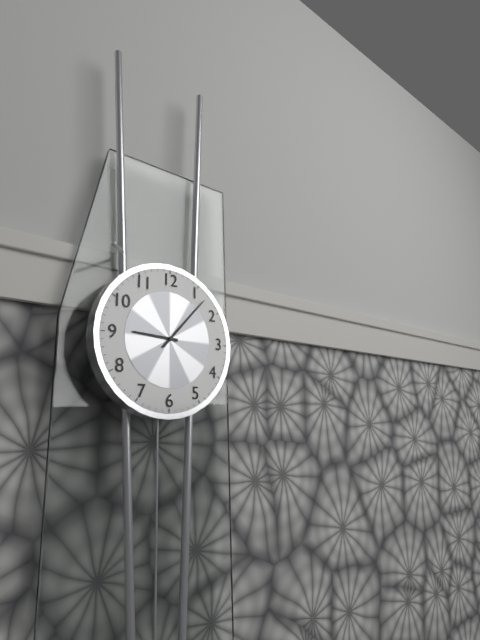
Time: **9:07**
